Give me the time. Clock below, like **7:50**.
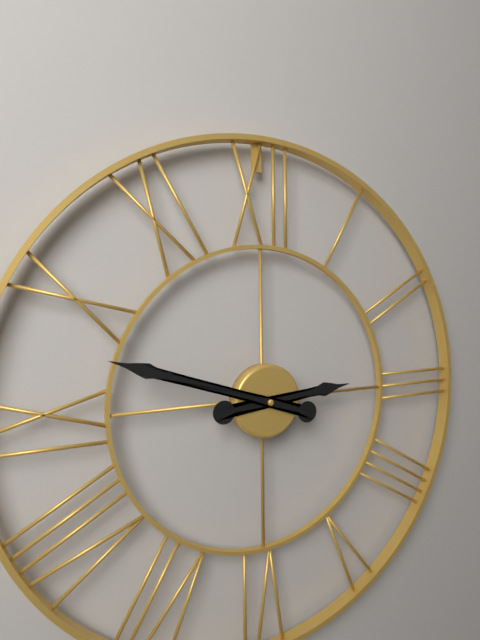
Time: **2:48**
